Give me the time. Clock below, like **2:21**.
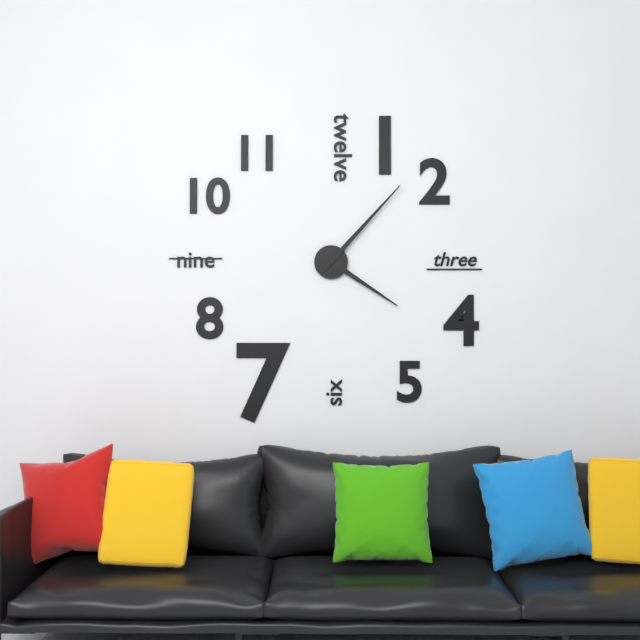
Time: **4:07**
